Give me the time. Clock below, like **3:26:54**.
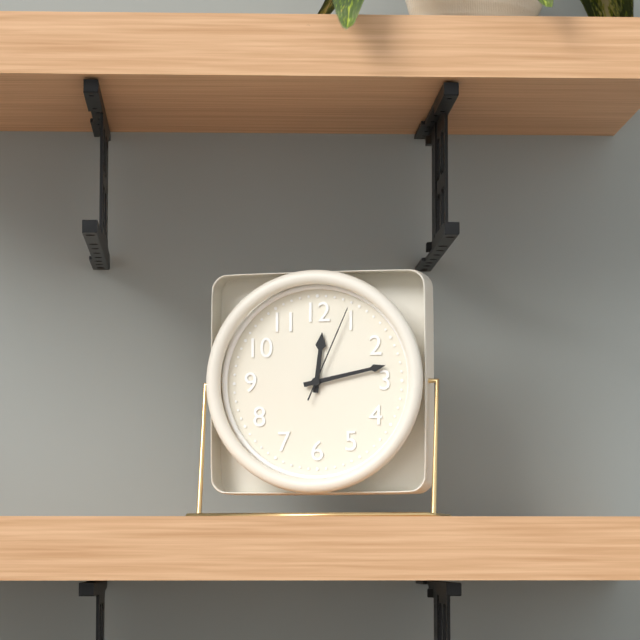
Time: **12:13:04**
